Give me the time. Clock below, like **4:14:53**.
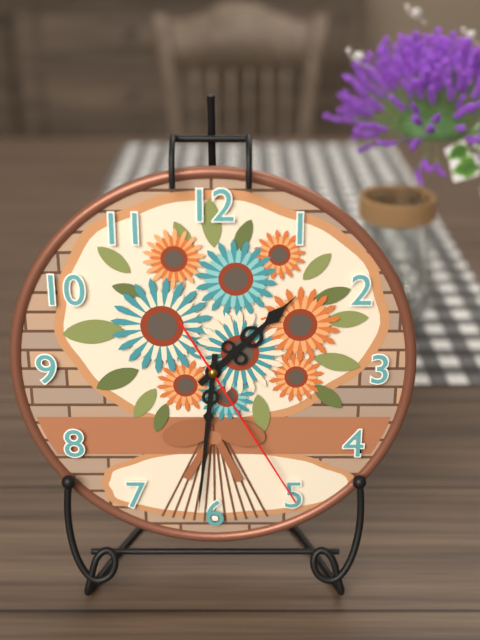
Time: **1:31:25**
